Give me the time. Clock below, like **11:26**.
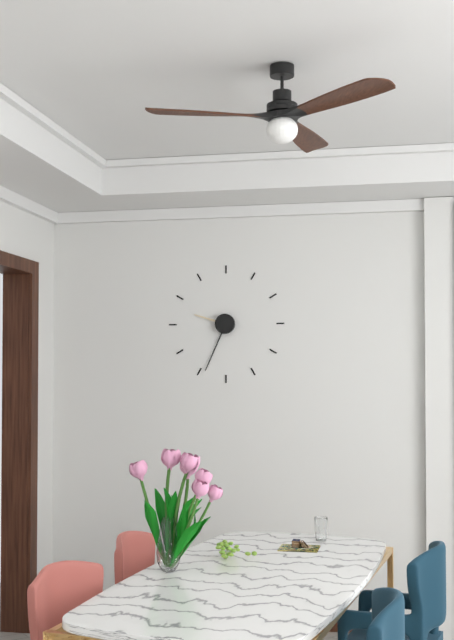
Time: **9:34**
